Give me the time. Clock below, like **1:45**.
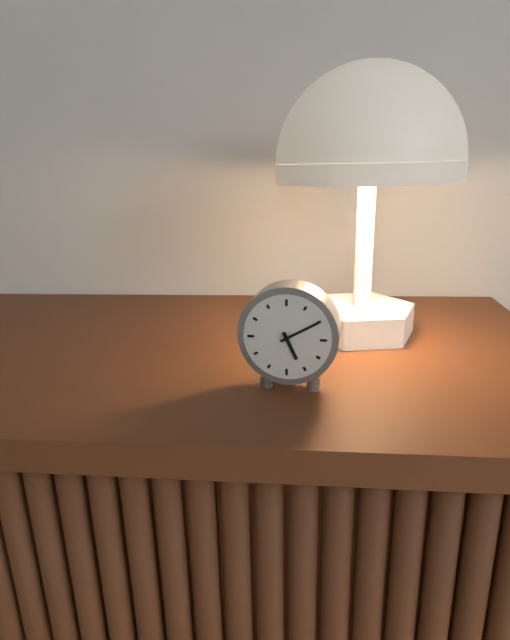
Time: **5:10**
